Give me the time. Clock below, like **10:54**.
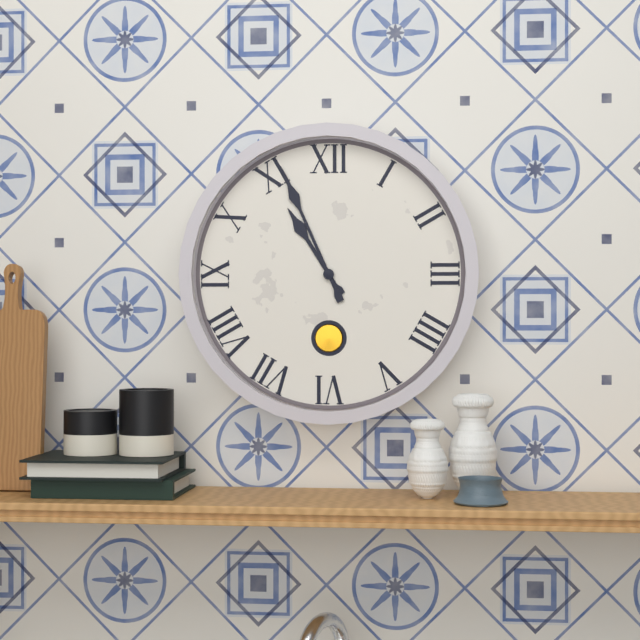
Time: **10:56**
